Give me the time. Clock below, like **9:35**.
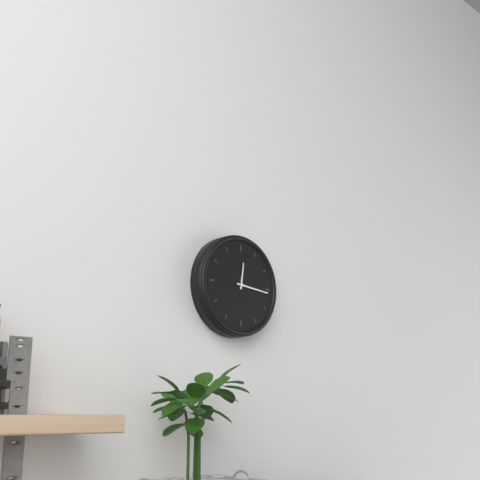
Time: **12:16**
